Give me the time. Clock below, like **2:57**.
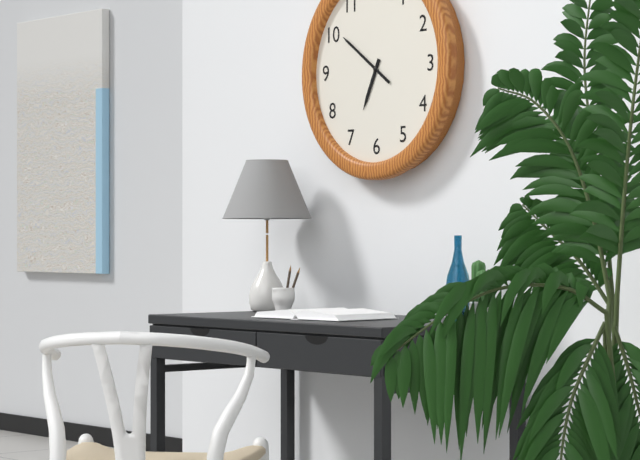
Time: **6:51**
